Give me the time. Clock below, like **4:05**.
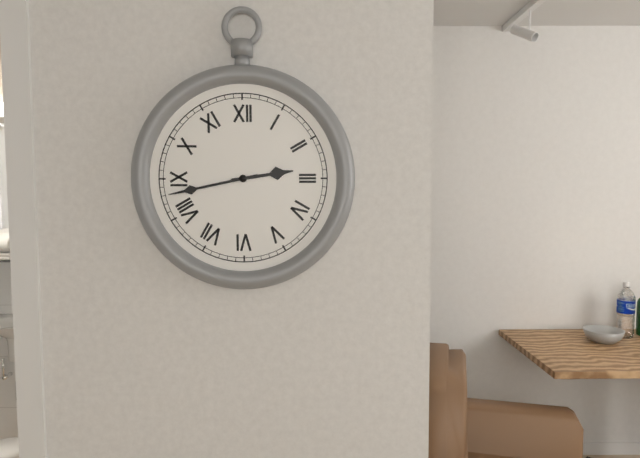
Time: **2:43**
